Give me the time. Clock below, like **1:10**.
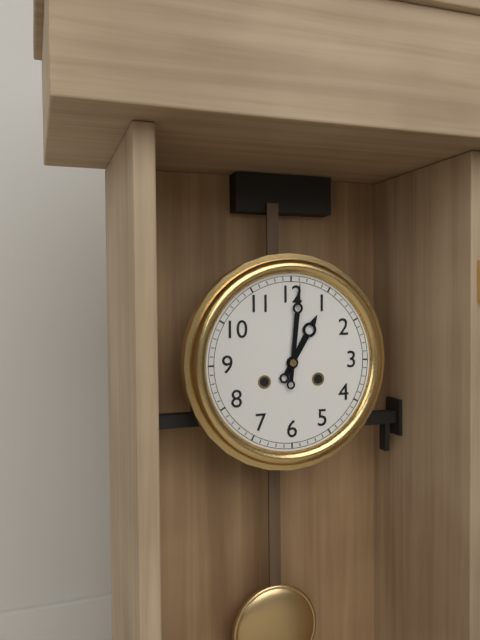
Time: **1:01**
